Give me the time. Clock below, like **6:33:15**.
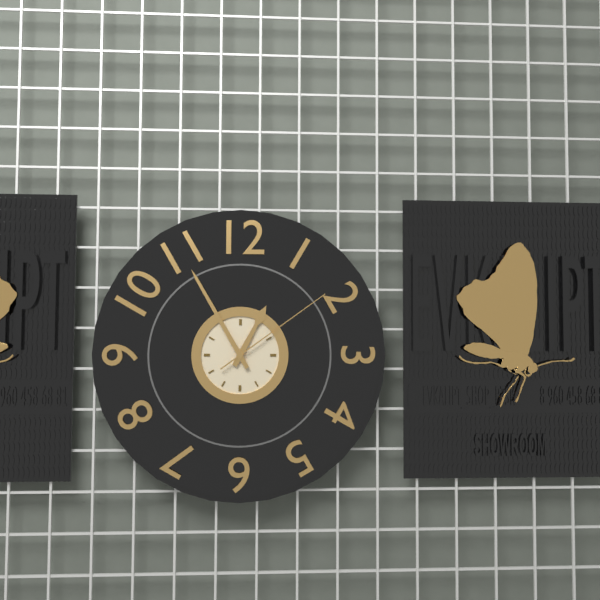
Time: **12:55:09**
